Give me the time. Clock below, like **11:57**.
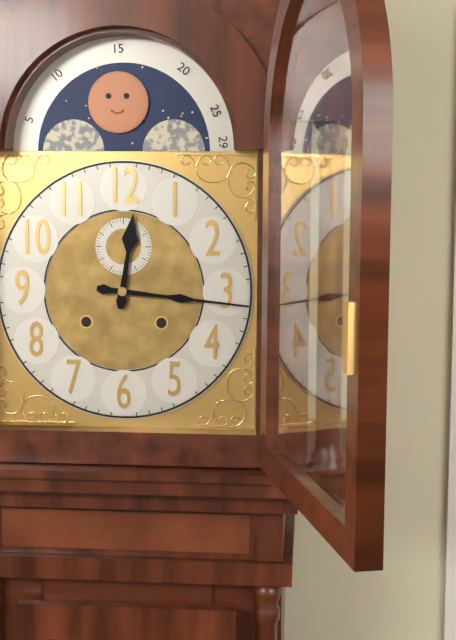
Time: **12:16**
